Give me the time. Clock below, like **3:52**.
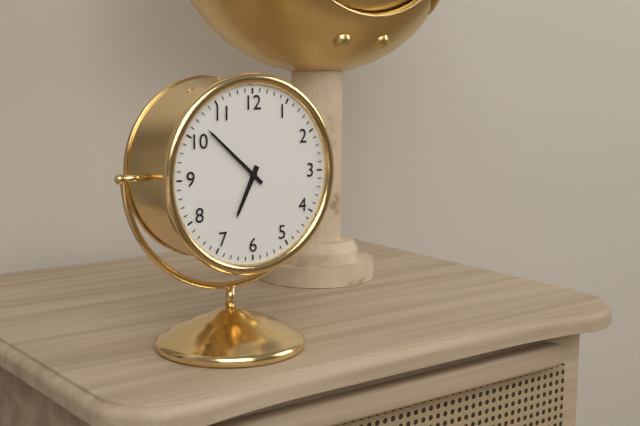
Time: **6:52**
